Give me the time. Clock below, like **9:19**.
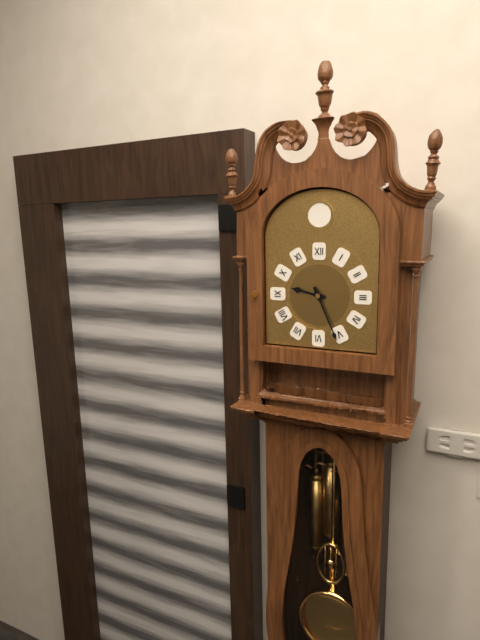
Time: **9:26**
